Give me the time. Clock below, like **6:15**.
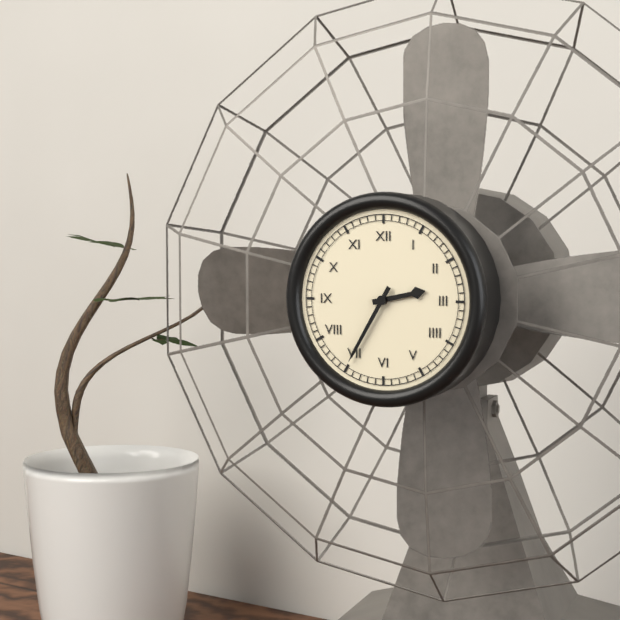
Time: **2:35**
